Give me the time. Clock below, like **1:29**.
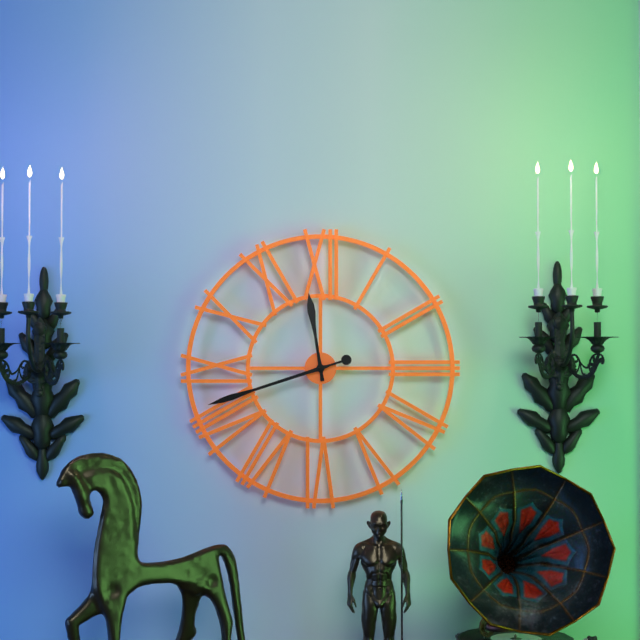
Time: **11:42**
